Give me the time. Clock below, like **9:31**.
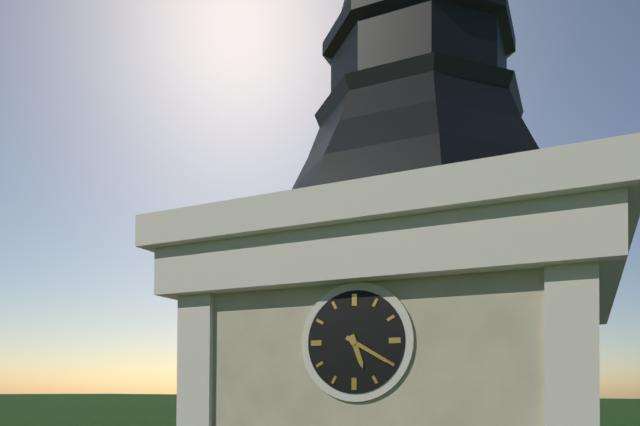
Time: **5:20**
